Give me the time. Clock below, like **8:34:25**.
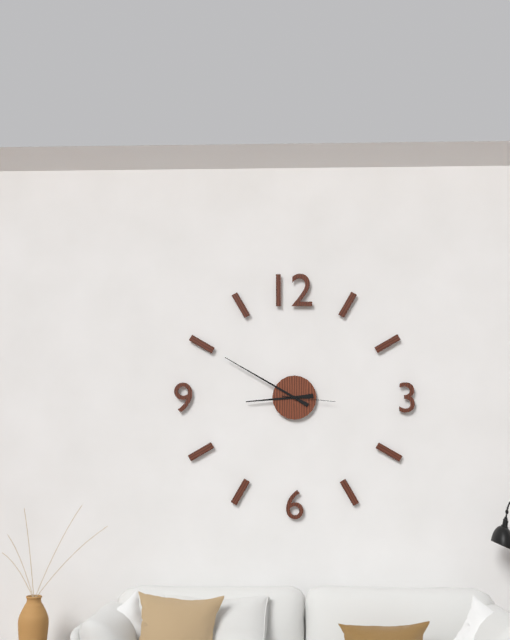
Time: **8:50:16**
